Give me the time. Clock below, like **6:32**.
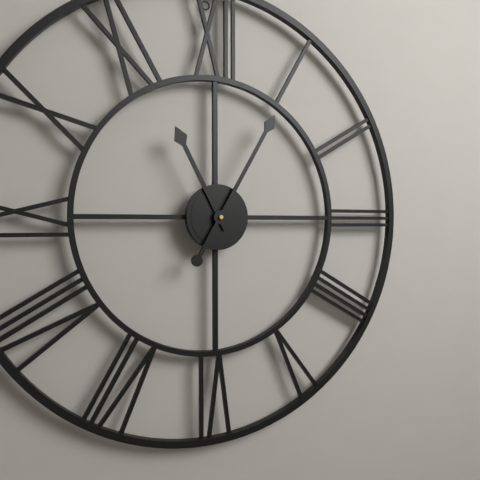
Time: **11:05**
